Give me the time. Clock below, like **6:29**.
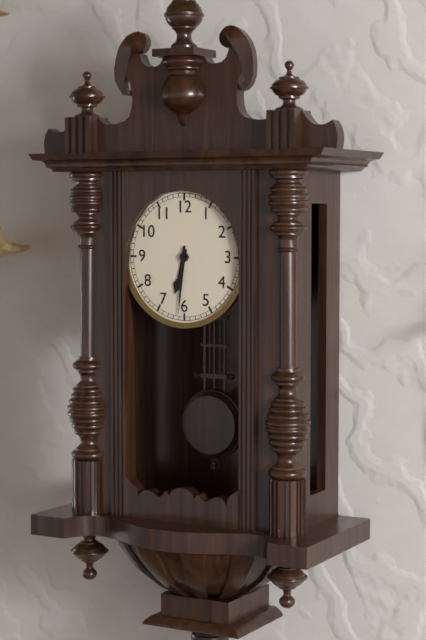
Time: **6:31**
